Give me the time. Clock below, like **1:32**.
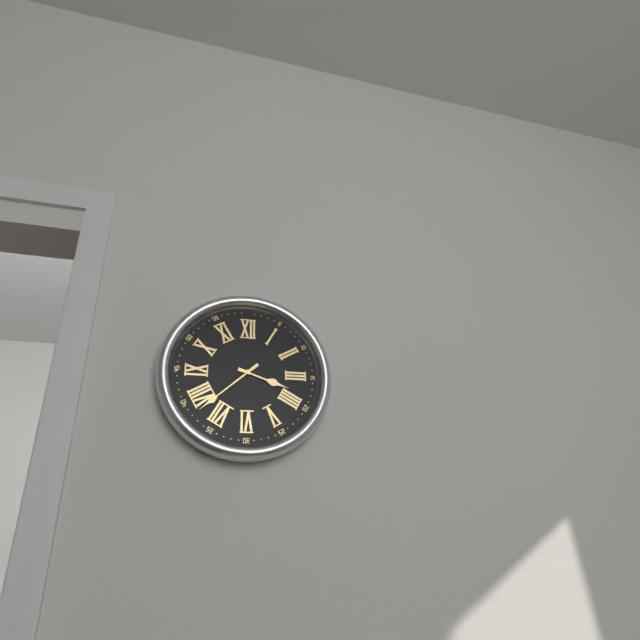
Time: **3:38**
